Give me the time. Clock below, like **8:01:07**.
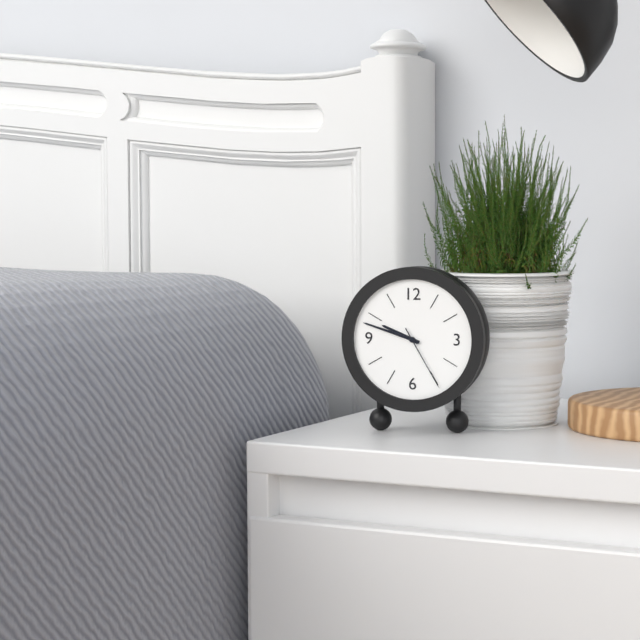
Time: **9:48:25**
